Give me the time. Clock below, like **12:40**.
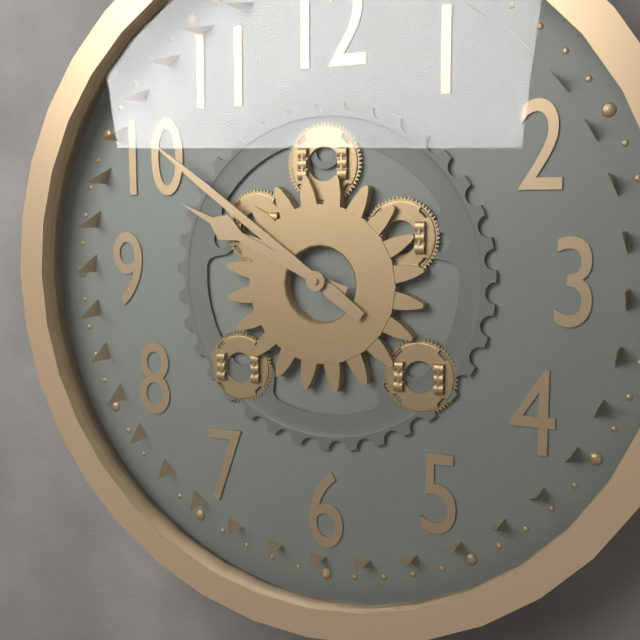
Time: **9:51**
